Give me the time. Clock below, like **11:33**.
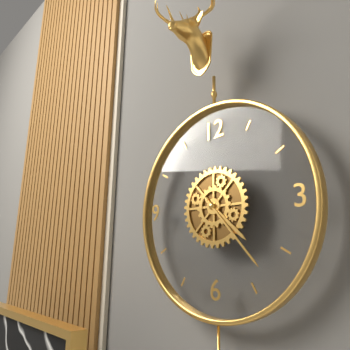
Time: **4:23**
